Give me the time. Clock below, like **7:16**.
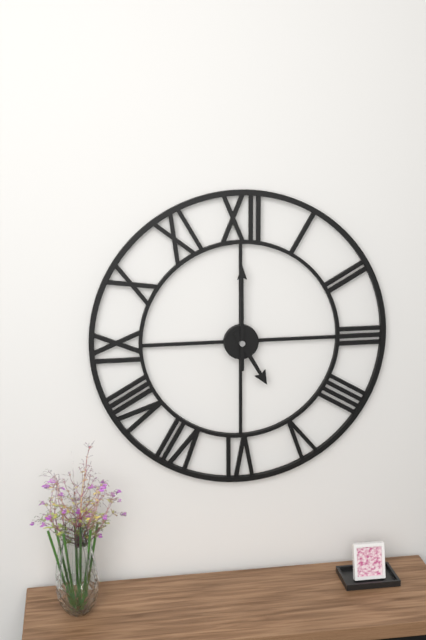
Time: **5:00**
